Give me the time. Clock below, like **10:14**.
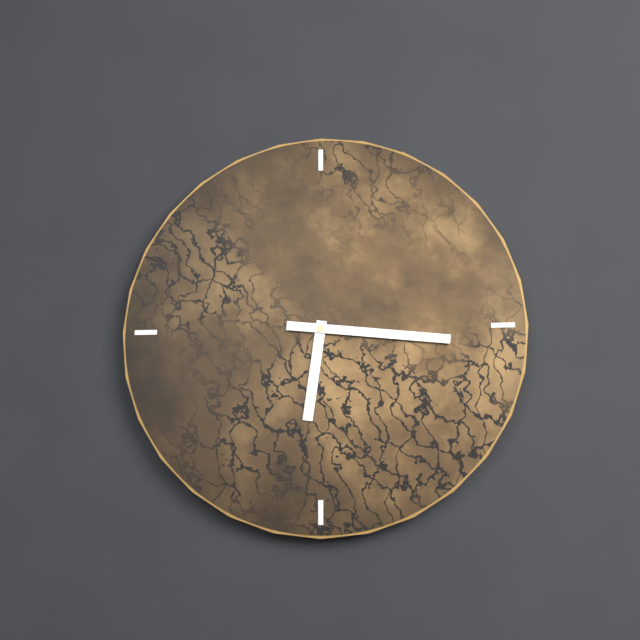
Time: **6:16**
